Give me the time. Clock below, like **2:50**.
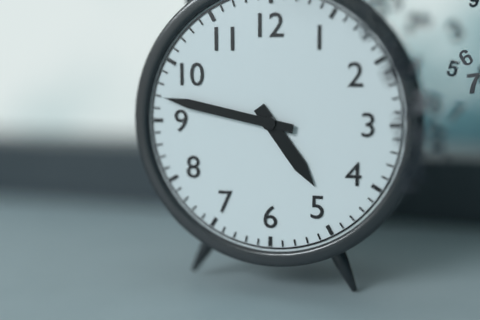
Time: **4:47**
